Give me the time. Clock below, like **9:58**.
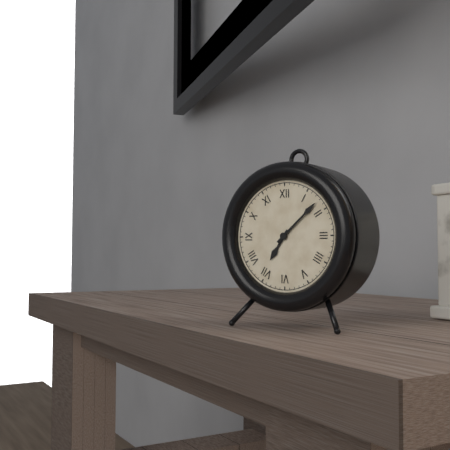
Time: **7:08**
